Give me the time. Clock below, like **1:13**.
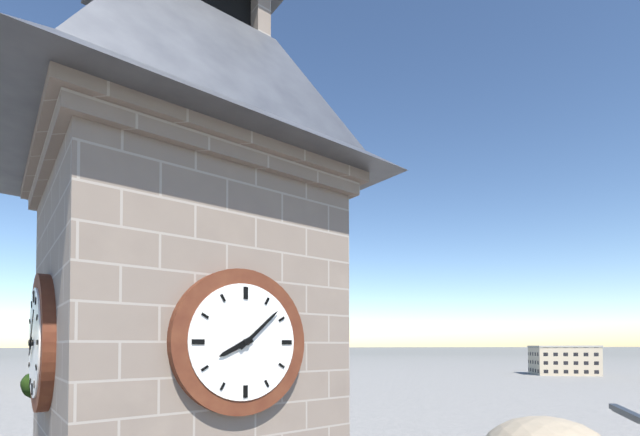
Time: **8:08**
